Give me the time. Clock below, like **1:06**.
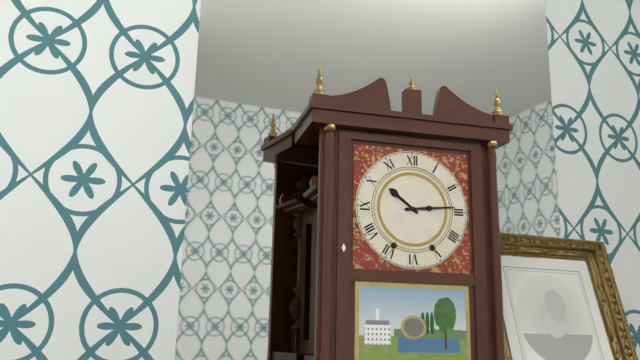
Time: **10:14**
